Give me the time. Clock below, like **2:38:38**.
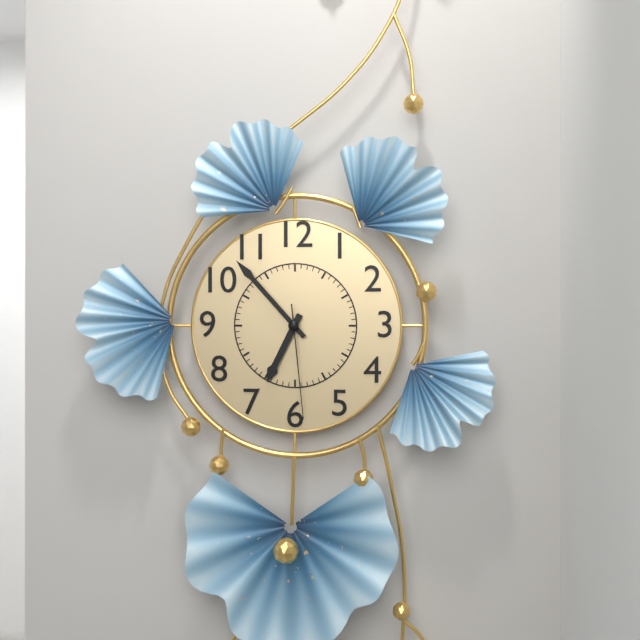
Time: **6:53:29**
